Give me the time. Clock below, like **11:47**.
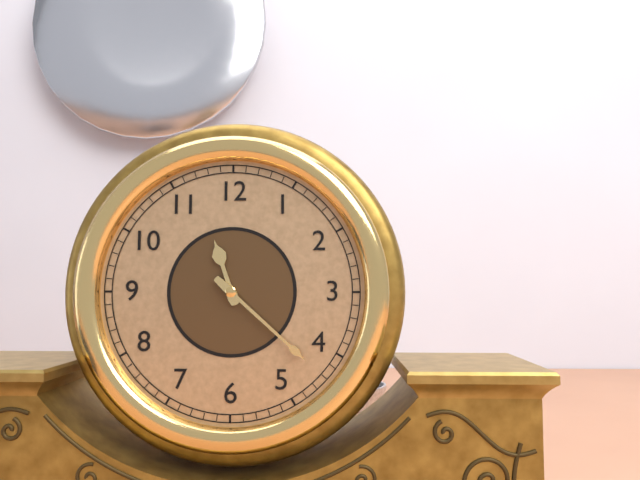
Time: **11:22**
